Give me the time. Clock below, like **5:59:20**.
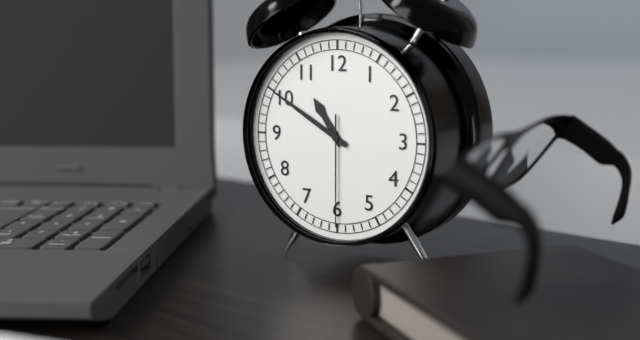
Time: **10:50:30**
